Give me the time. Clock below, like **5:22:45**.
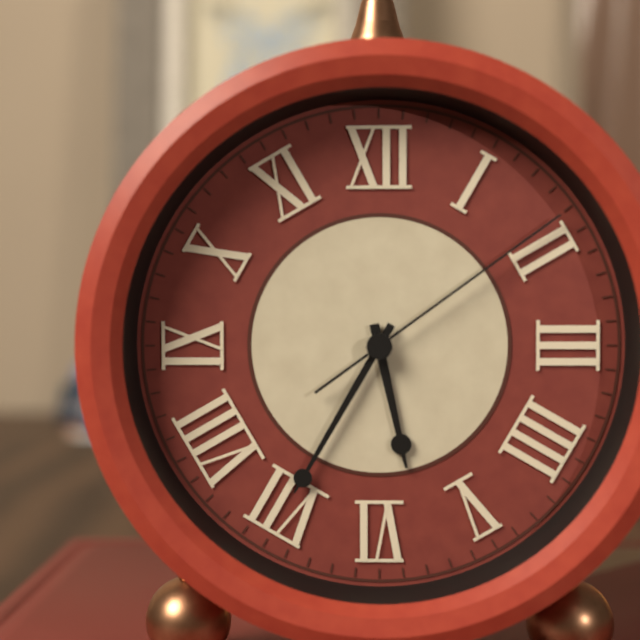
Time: **5:35:09**
